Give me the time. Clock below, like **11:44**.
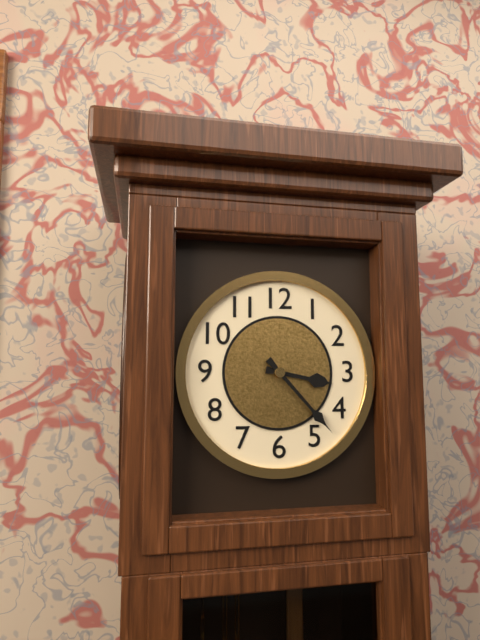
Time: **3:23**
